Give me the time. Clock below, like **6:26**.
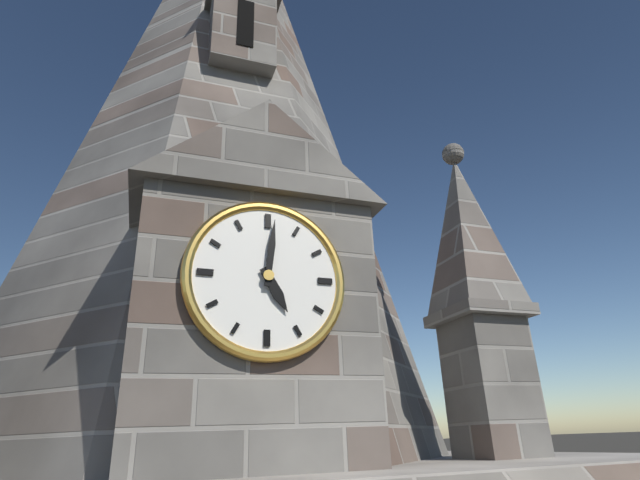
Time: **5:01**
